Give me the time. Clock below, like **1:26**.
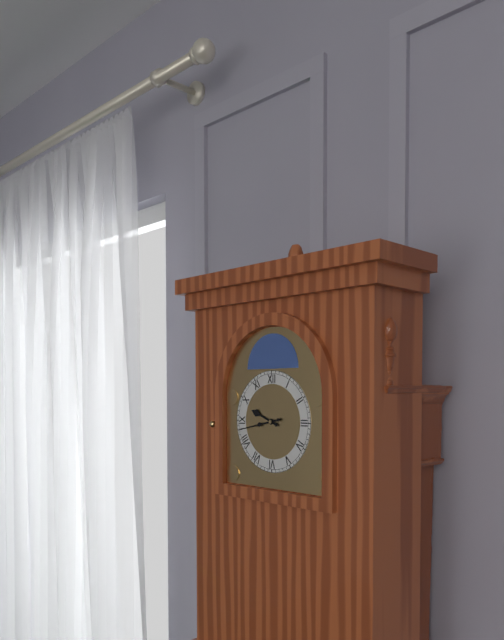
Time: **9:43**
